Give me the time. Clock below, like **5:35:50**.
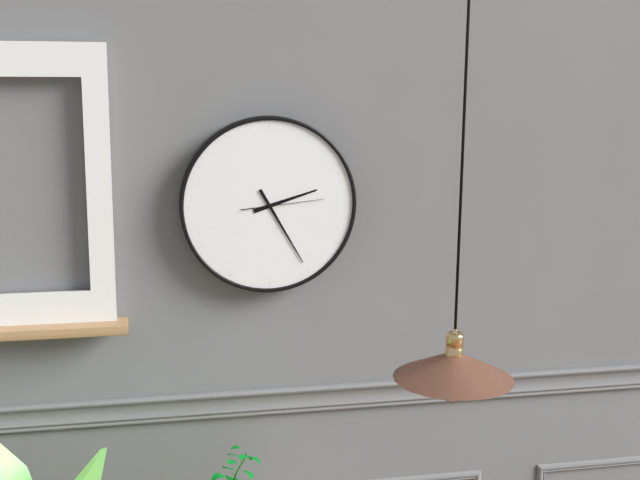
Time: **2:25:14**
